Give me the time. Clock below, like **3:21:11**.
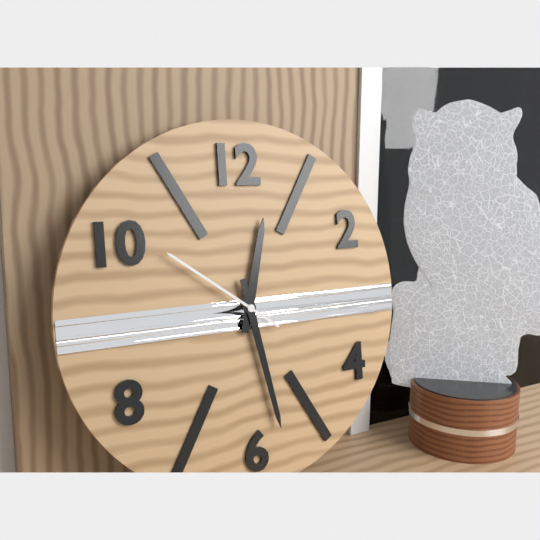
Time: **12:28:51**
